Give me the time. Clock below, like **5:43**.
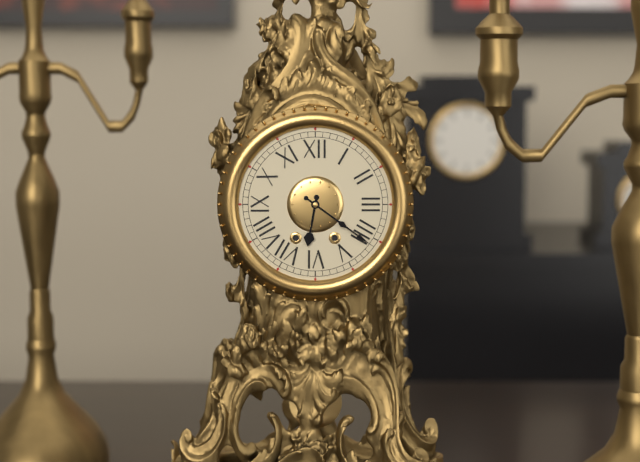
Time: **6:21**
